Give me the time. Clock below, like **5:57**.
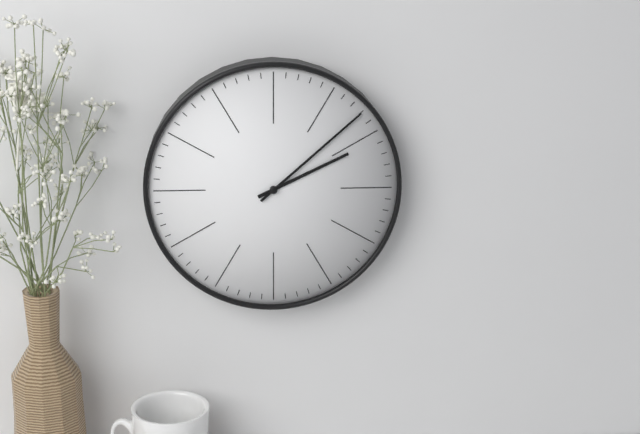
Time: **2:08**
